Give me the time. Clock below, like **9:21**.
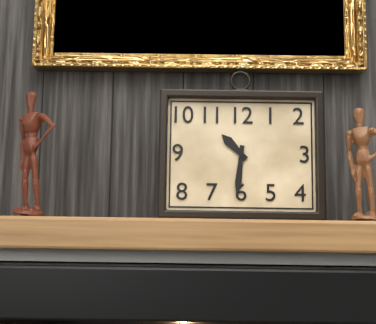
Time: **10:31**
